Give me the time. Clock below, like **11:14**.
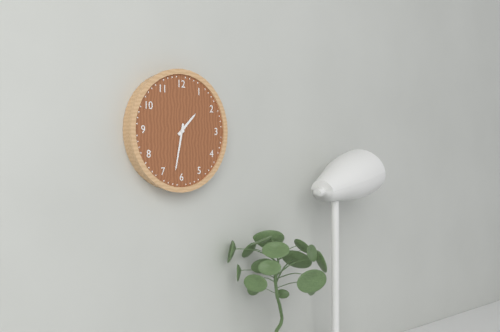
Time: **1:32**
